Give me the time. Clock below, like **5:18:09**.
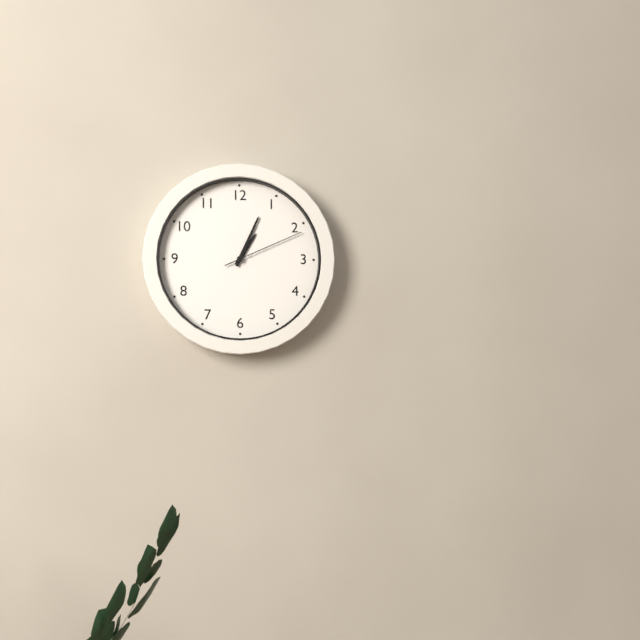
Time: **1:04:11**
